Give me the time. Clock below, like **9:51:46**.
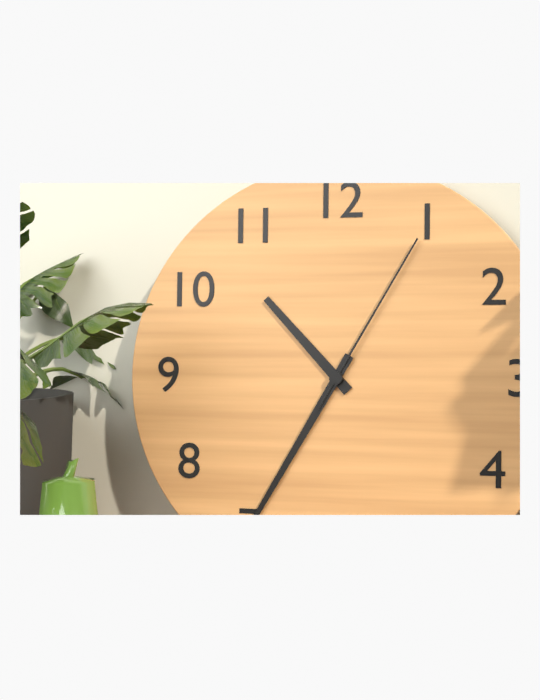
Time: **10:35:05**
